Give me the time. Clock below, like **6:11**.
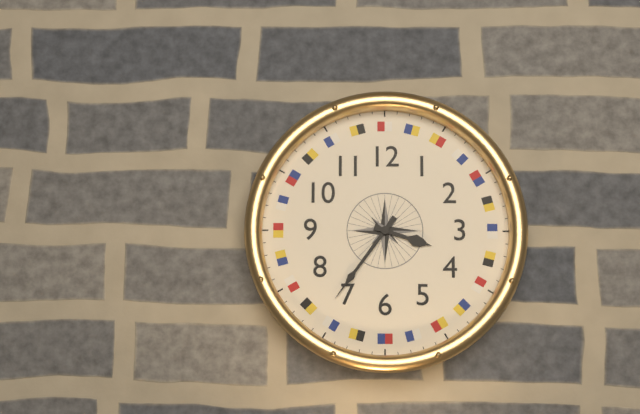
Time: **3:36**
